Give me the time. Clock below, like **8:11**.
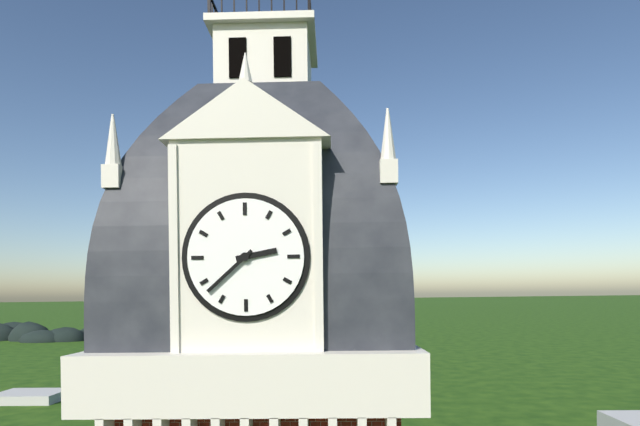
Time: **2:38**
